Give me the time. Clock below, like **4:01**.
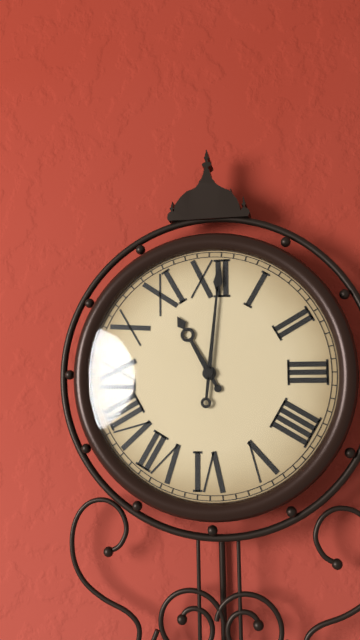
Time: **11:01**
